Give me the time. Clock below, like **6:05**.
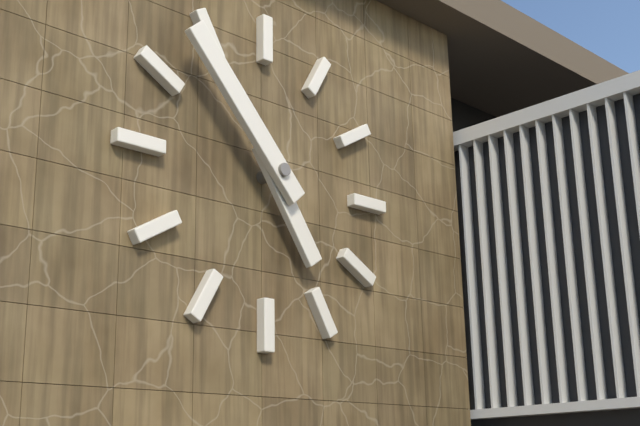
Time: **4:53**
